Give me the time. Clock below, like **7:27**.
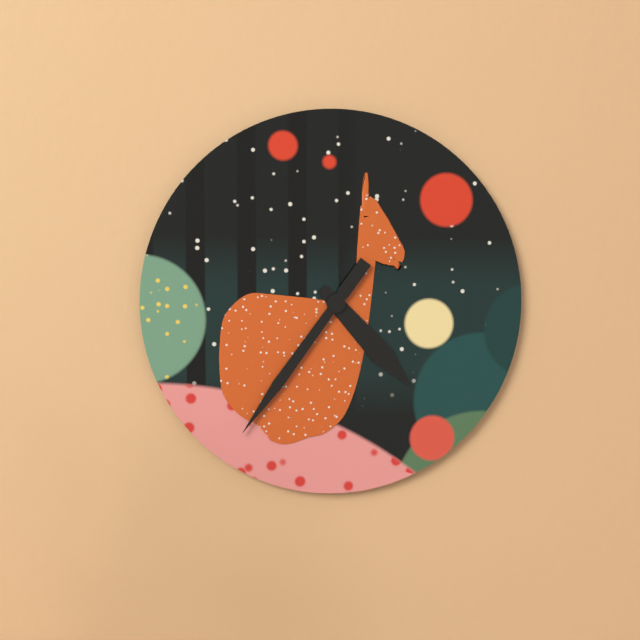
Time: **4:36**
